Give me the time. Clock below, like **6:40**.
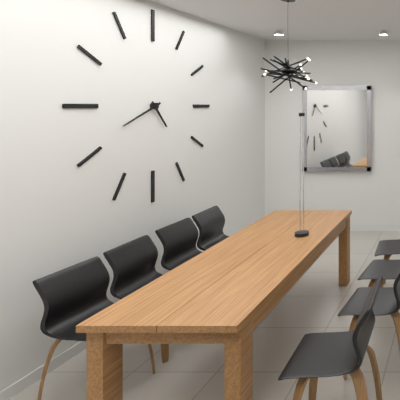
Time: **4:41**
